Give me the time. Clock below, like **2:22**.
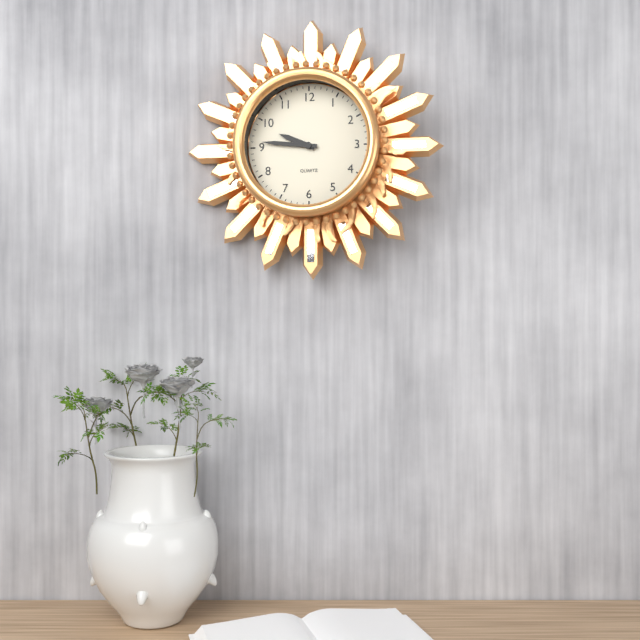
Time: **9:46**
